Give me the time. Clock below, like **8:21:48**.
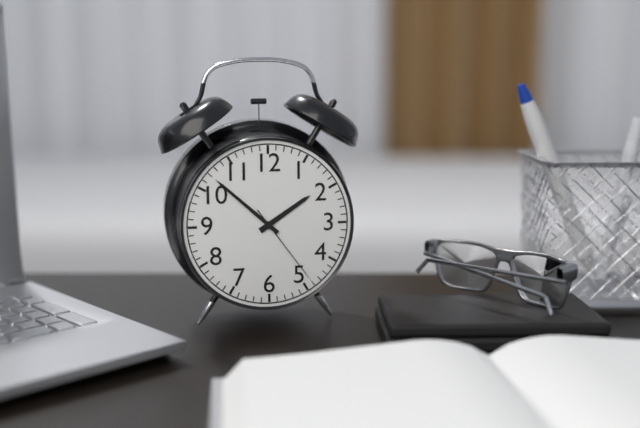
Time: **1:52:24**
